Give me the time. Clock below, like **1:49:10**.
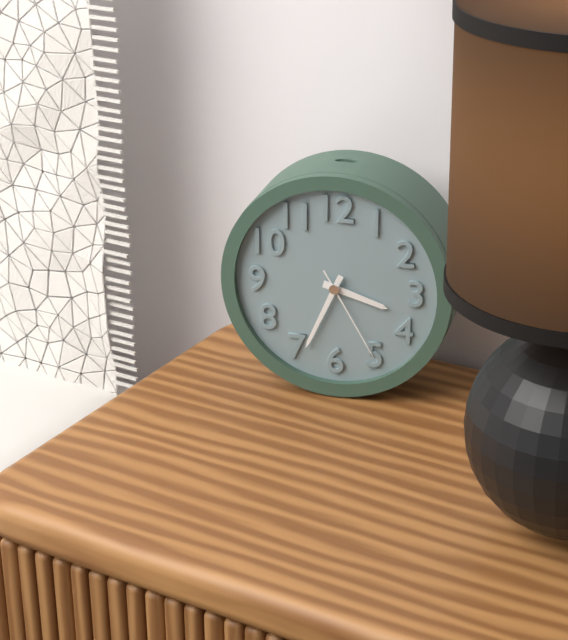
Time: **3:34:25**
